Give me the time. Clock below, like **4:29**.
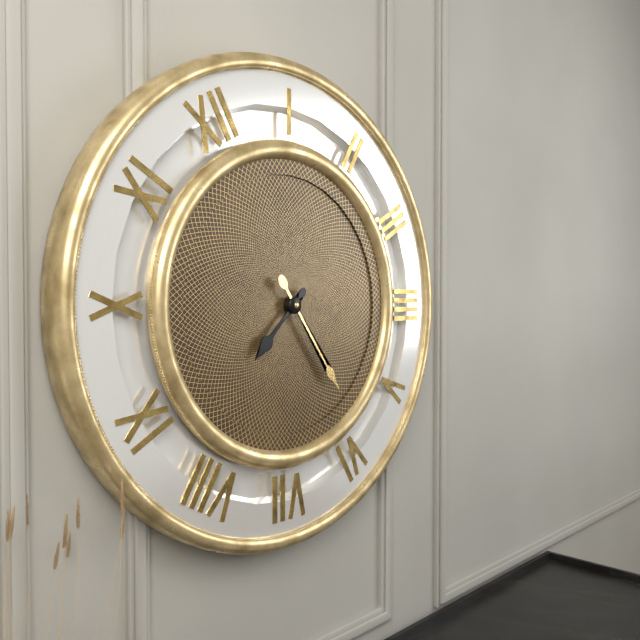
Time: **8:29**
